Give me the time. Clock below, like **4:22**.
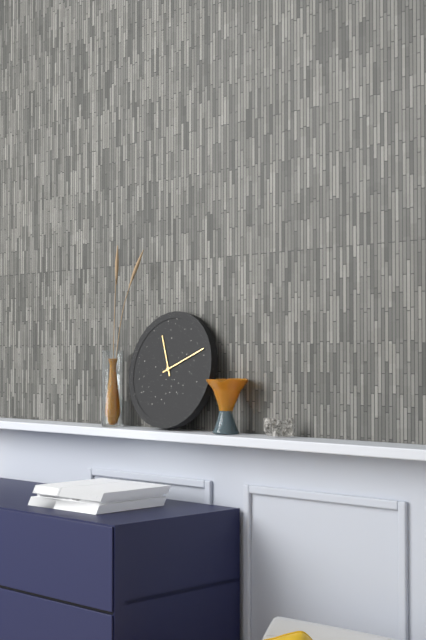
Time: **11:11**
